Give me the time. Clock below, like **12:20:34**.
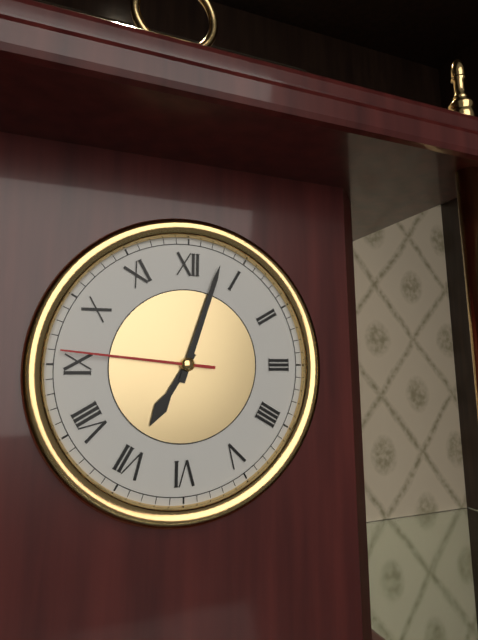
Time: **7:03:46**
